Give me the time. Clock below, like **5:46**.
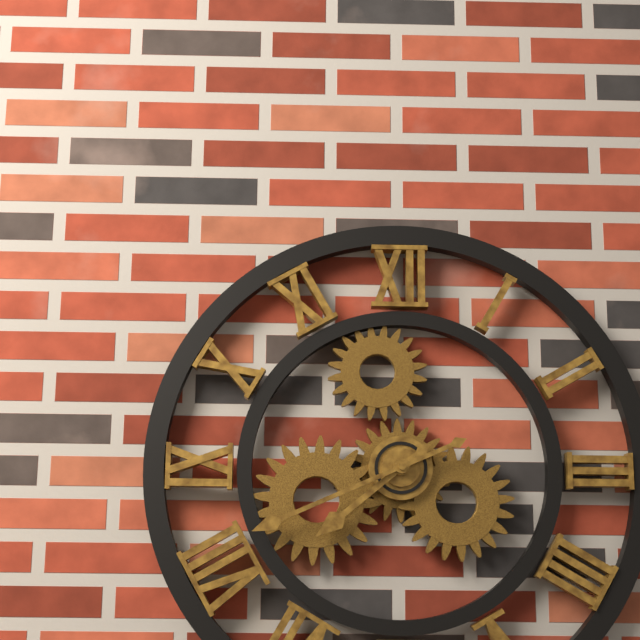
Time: **7:41**
